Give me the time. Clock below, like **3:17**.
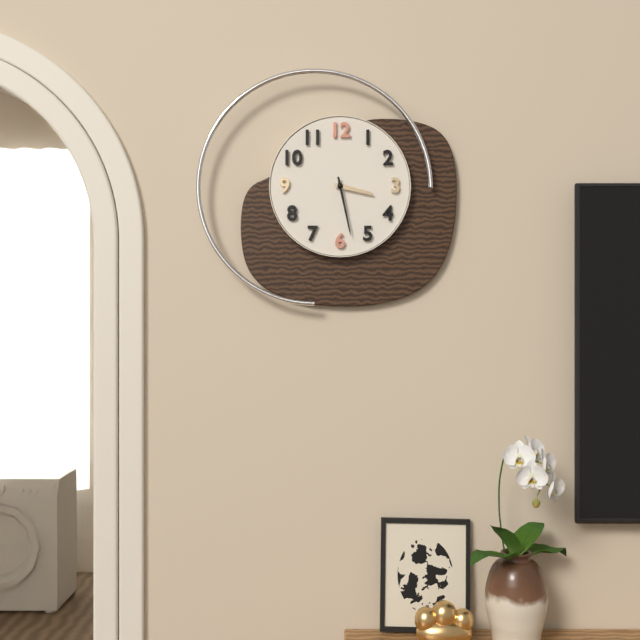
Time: **3:28**
